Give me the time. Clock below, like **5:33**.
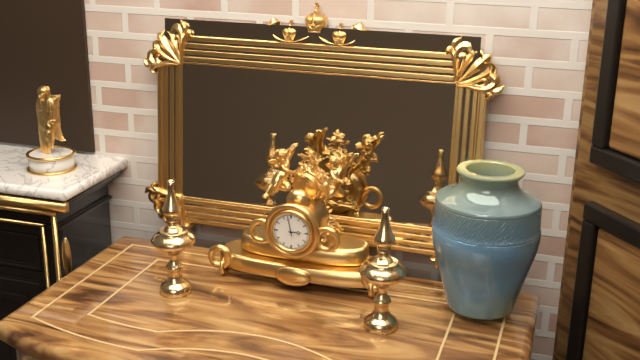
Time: **2:58**
